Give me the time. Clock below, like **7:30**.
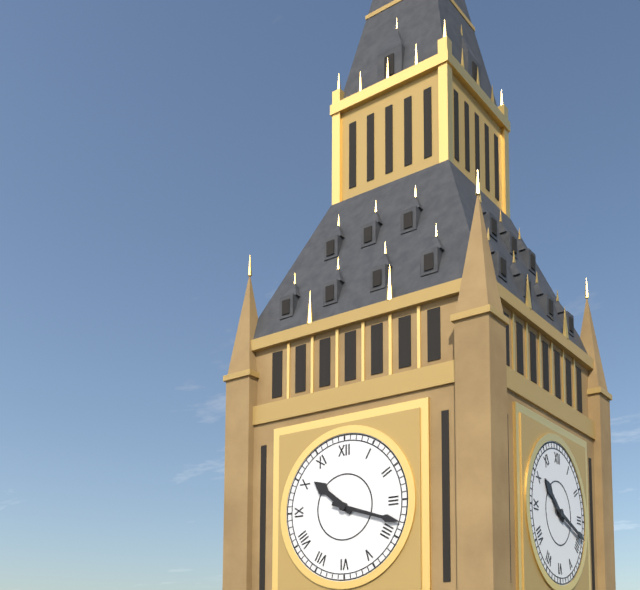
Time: **10:18**
